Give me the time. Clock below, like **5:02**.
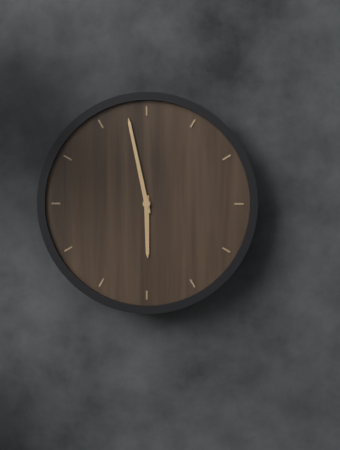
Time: **5:58**
